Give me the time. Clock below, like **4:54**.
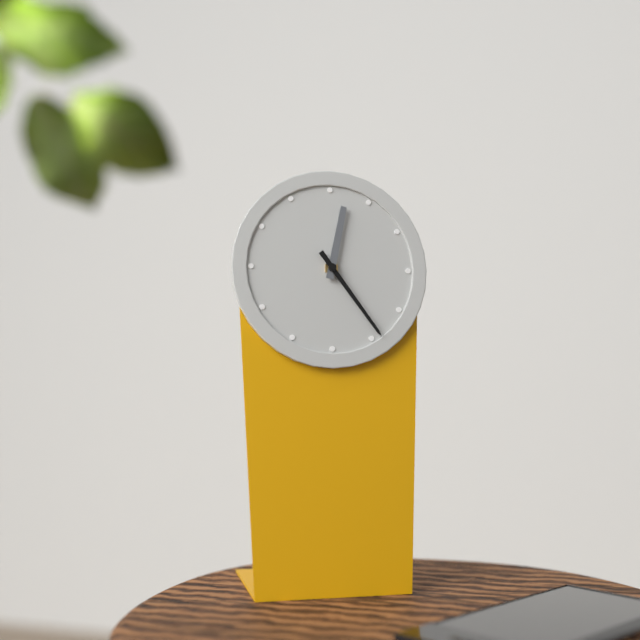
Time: **12:24**
